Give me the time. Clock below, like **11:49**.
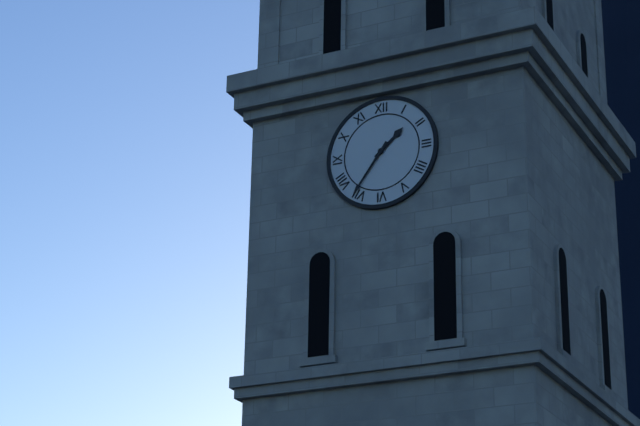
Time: **1:36**
